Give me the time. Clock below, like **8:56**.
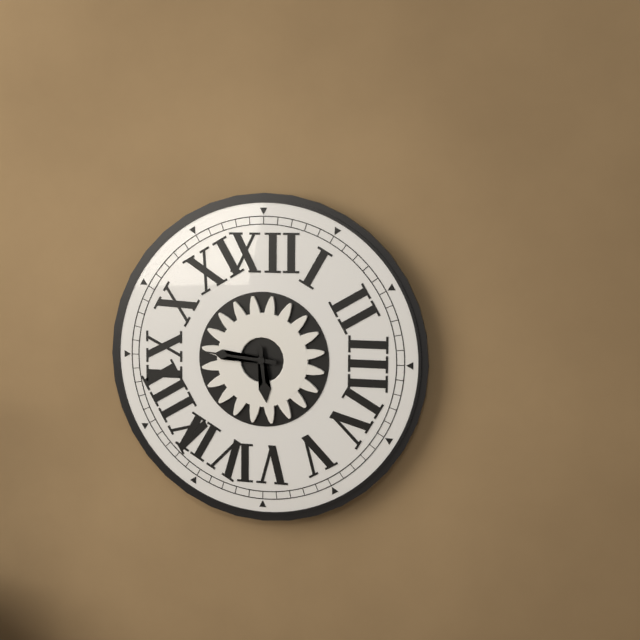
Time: **5:46**
